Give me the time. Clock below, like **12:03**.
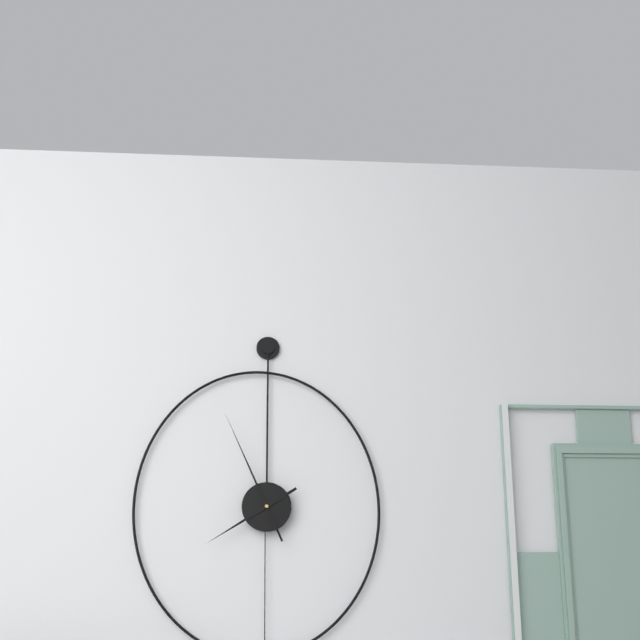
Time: **7:56**
